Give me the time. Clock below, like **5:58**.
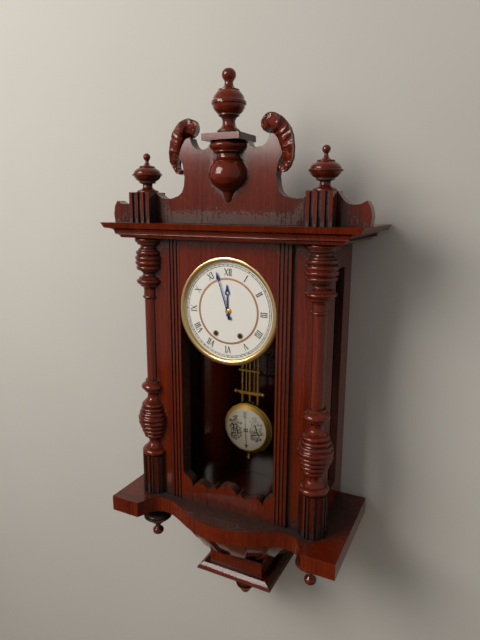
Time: **11:57**
